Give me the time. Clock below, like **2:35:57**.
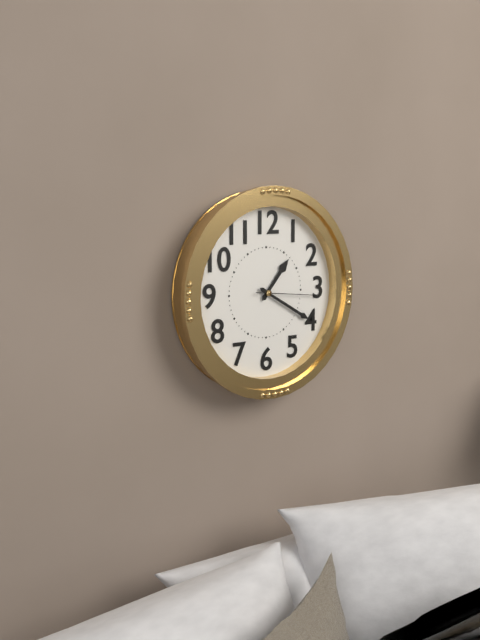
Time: **1:20:16**
